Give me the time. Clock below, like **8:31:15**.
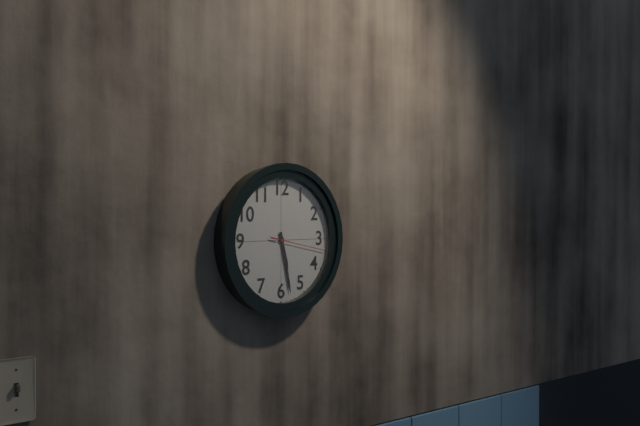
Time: **5:28:17**
